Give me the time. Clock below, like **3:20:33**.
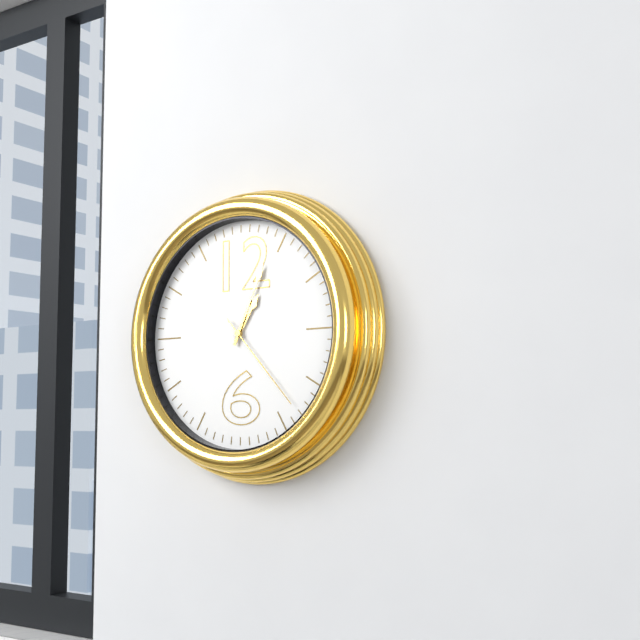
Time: **1:04:23**
